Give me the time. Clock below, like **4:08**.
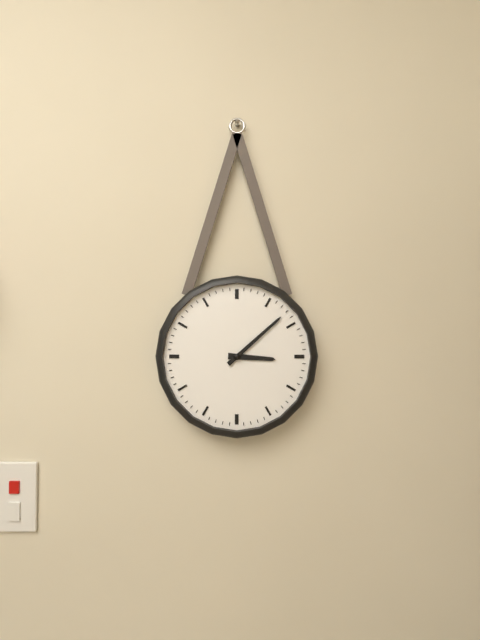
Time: **3:08**
